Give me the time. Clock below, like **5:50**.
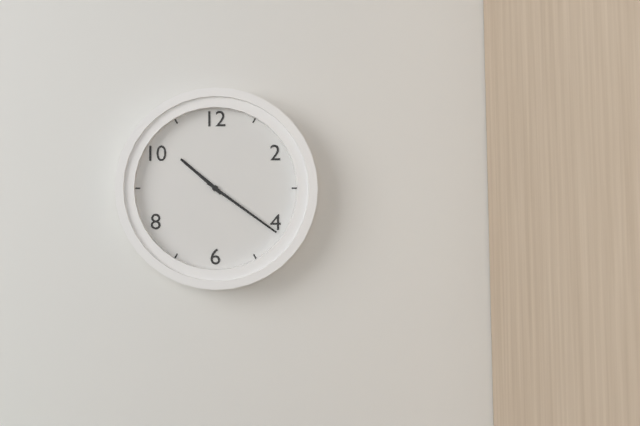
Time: **10:21**
